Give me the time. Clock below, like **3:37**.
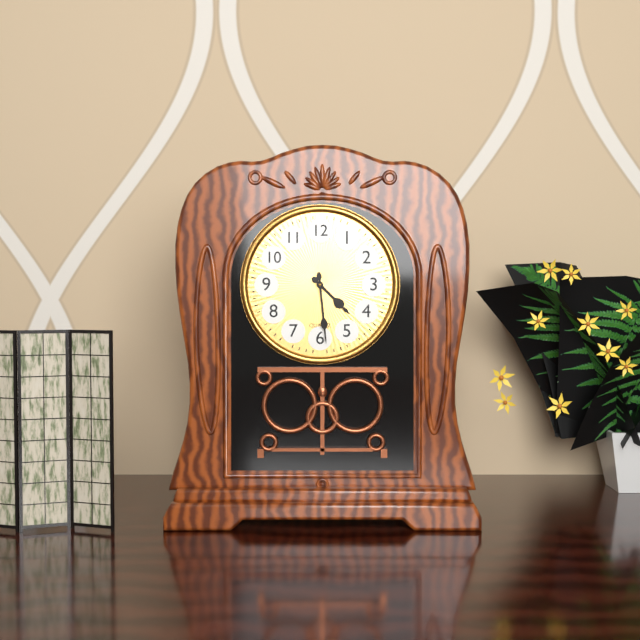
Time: **4:29**
